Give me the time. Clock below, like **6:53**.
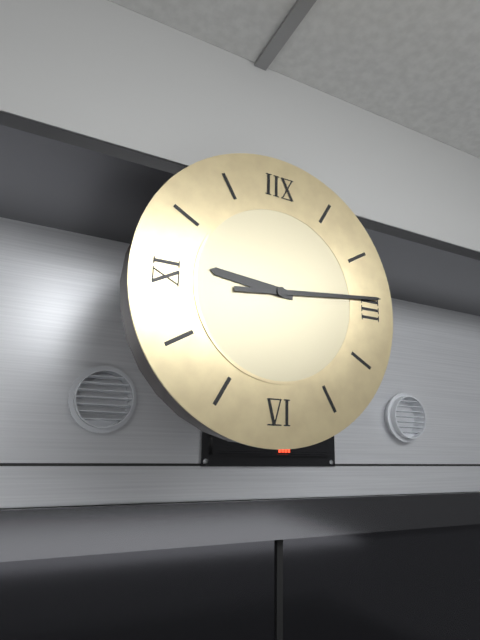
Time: **9:14**
